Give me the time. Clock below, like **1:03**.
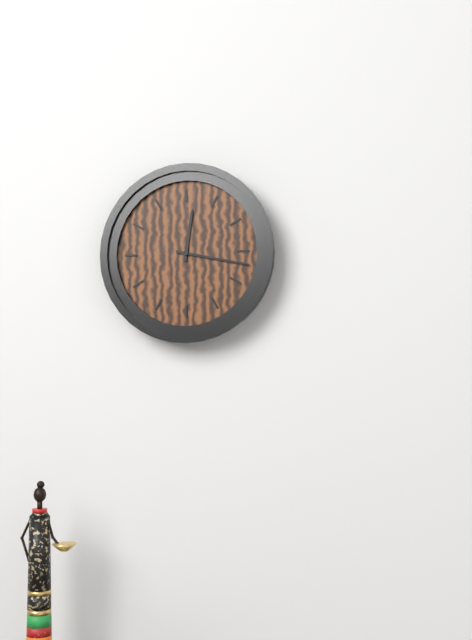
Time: **12:17**
